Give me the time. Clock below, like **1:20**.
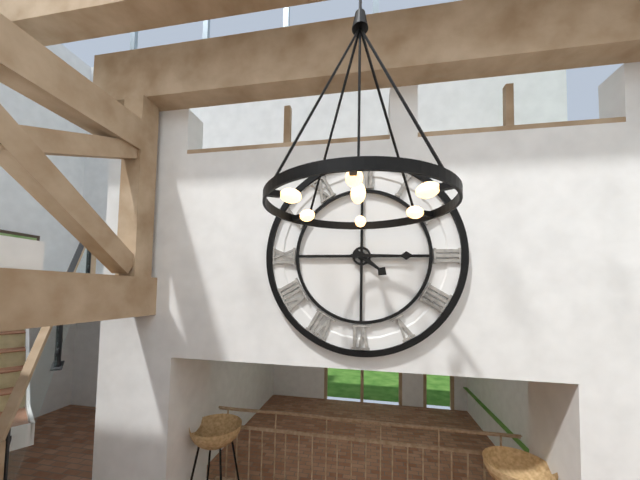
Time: **4:15**
